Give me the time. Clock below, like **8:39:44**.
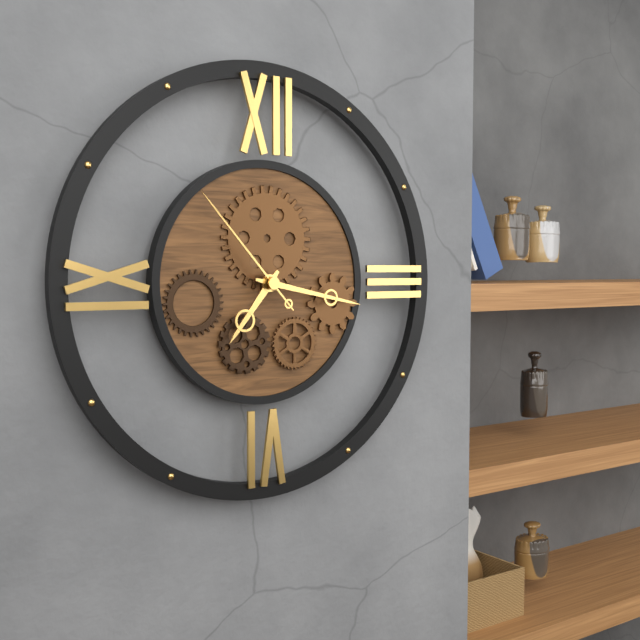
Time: **7:17:53**
